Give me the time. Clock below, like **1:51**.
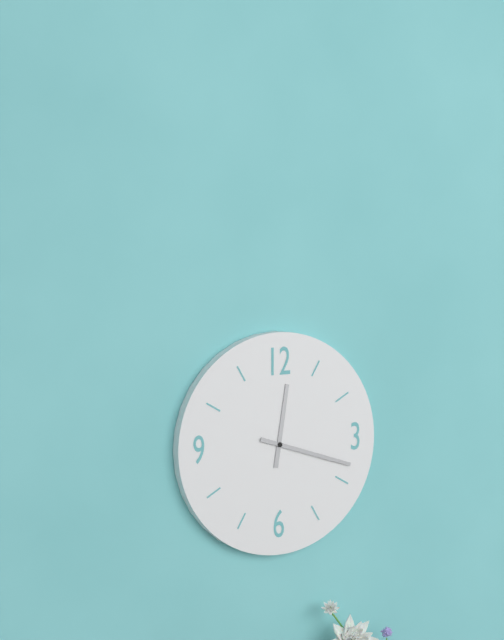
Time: **12:18**
